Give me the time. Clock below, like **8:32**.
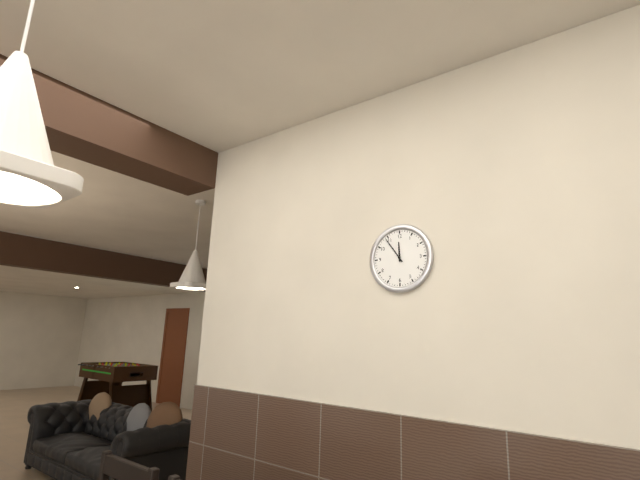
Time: **11:54**
